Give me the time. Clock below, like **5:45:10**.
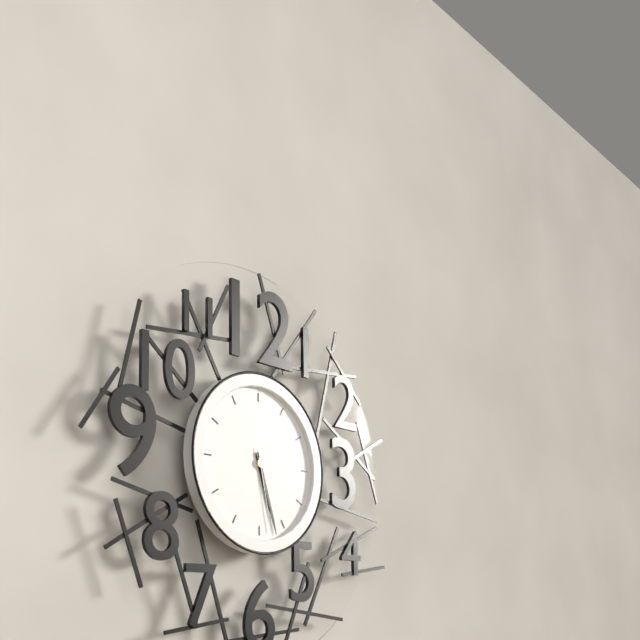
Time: **5:27:28**
